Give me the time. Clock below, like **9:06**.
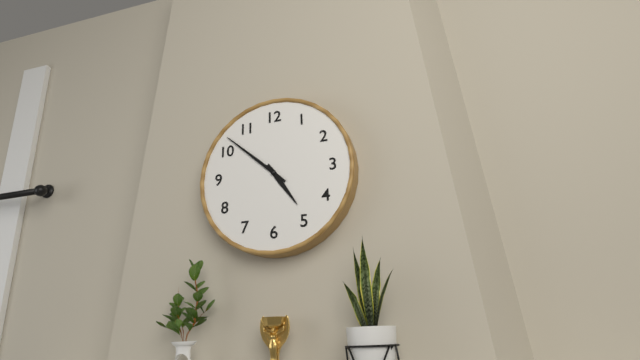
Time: **4:52**
